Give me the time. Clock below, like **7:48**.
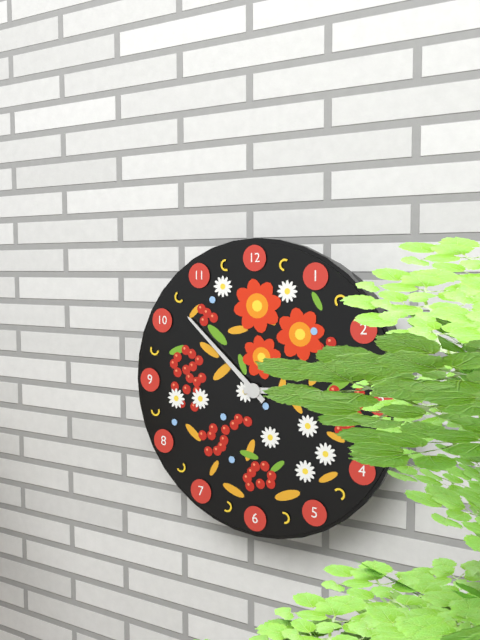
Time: **2:52**
